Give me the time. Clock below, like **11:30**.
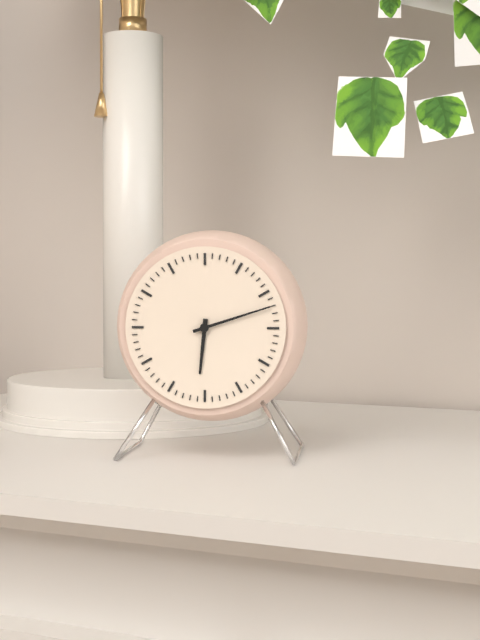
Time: **6:12**
